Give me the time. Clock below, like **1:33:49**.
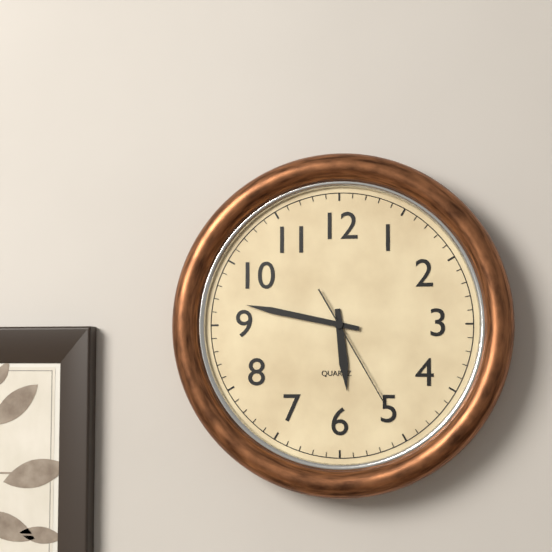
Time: **5:47:25**
